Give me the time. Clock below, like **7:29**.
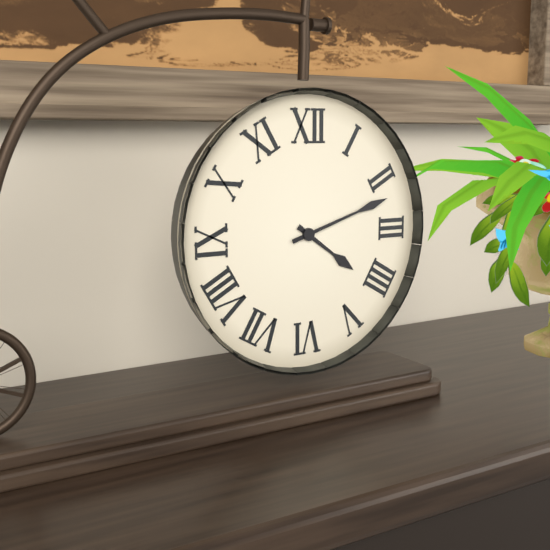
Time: **4:12**
